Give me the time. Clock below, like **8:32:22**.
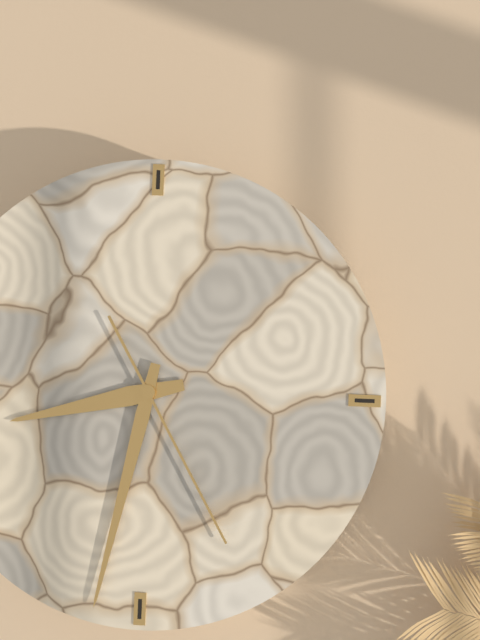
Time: **8:32:25**
